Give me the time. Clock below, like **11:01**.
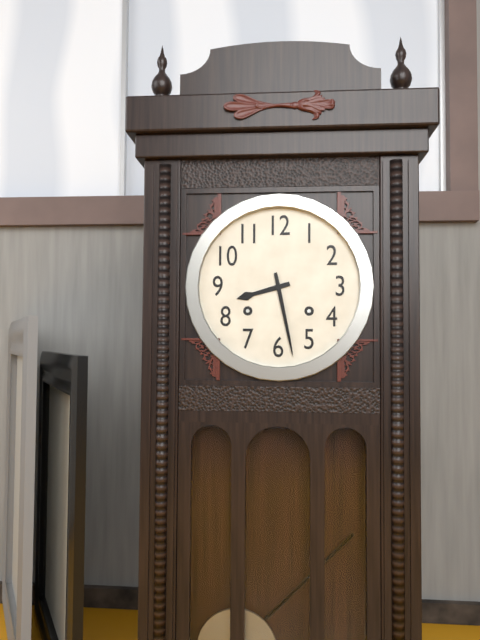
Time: **8:28**
